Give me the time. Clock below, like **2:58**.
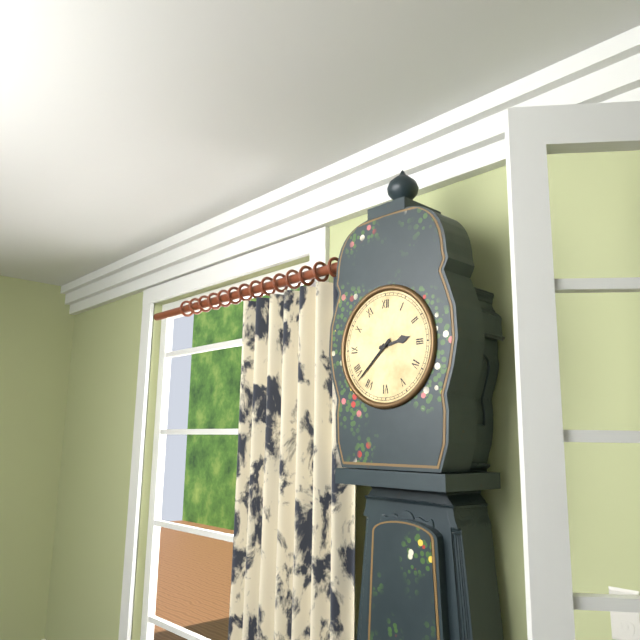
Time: **2:38**
